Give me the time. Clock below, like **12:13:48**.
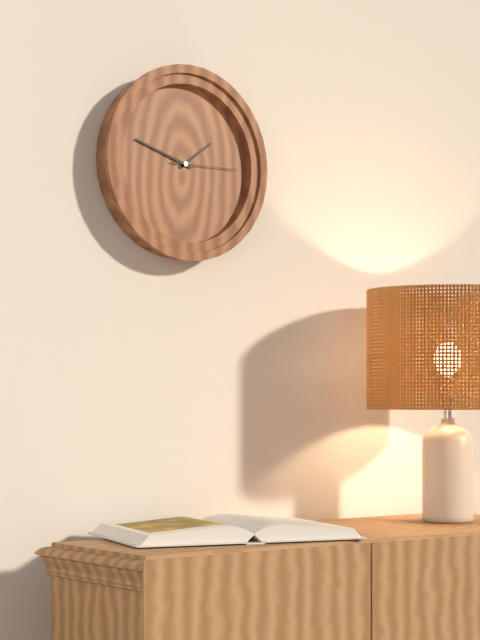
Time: **1:48:15**
